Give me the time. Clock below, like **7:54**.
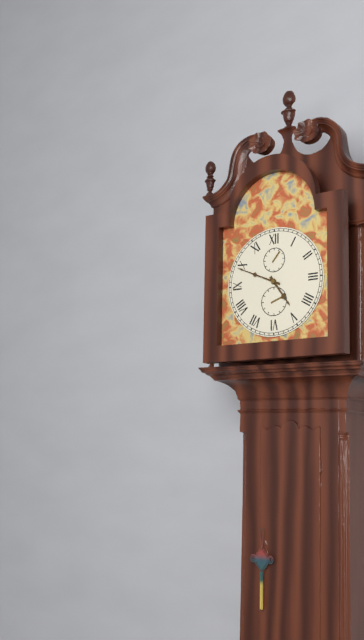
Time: **4:49**
